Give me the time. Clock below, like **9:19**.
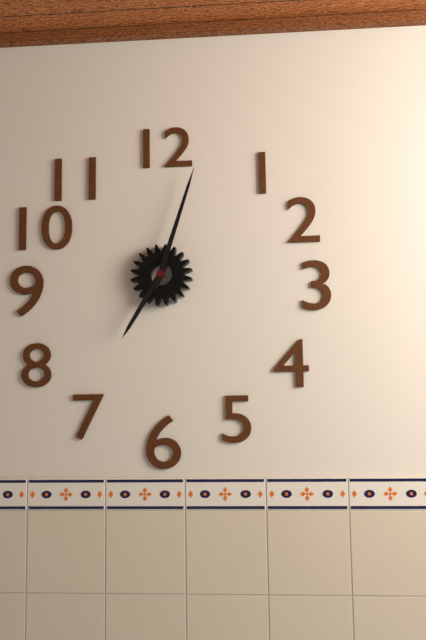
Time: **7:03**
